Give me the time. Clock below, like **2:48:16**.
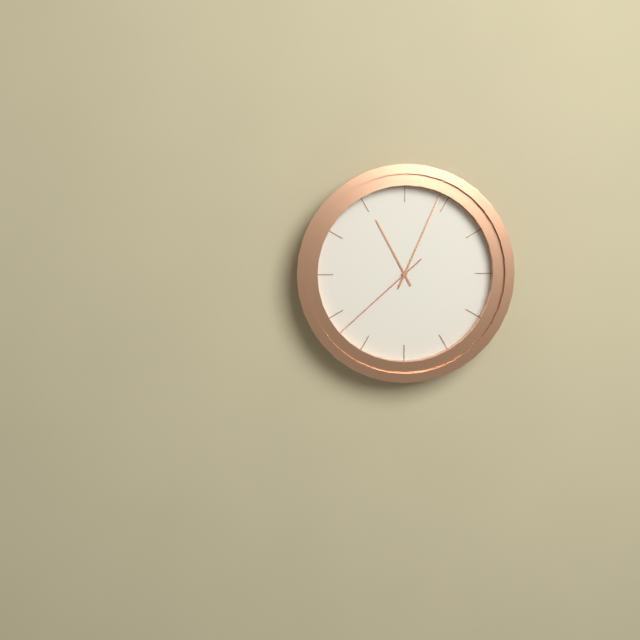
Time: **11:04:38**
